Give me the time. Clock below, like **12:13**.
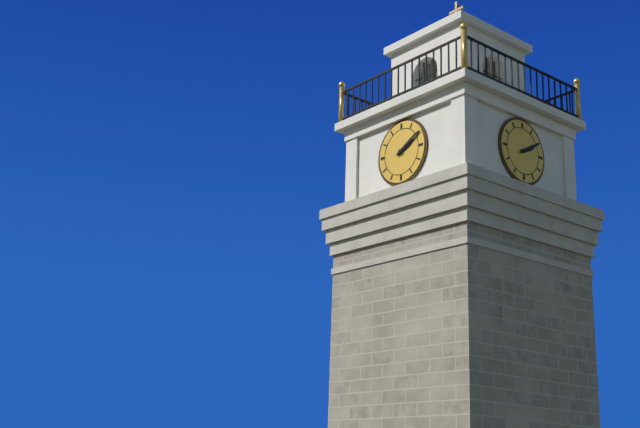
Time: **2:10**
